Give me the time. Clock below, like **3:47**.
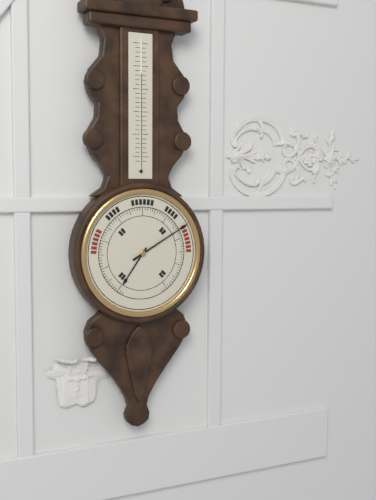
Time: **7:10**
